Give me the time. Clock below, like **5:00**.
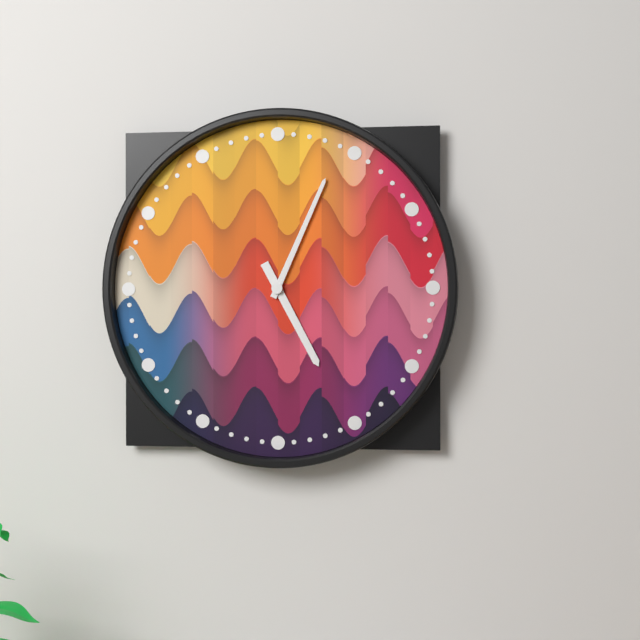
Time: **5:04**
